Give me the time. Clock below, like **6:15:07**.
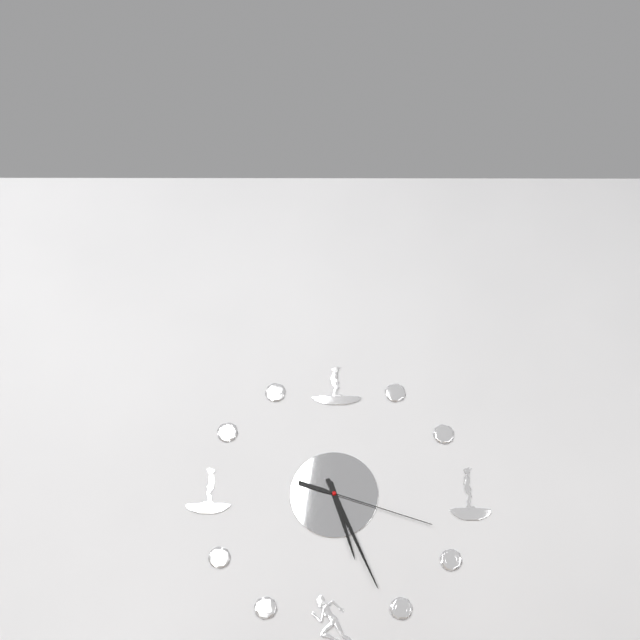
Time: **5:26:18**
